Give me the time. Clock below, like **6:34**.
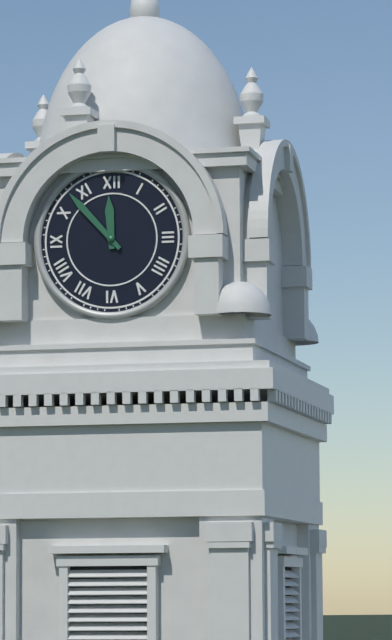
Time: **11:53**
